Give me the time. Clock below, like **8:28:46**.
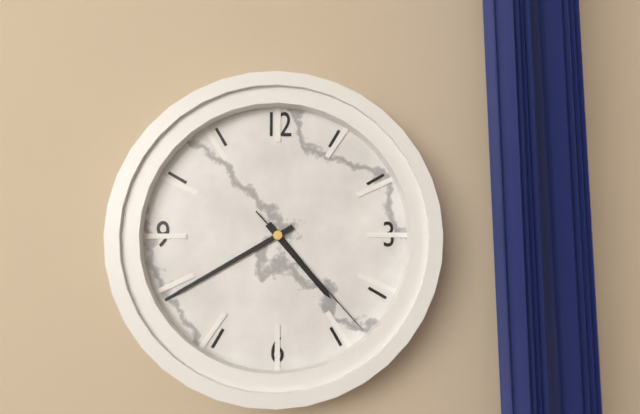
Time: **4:40:23**
